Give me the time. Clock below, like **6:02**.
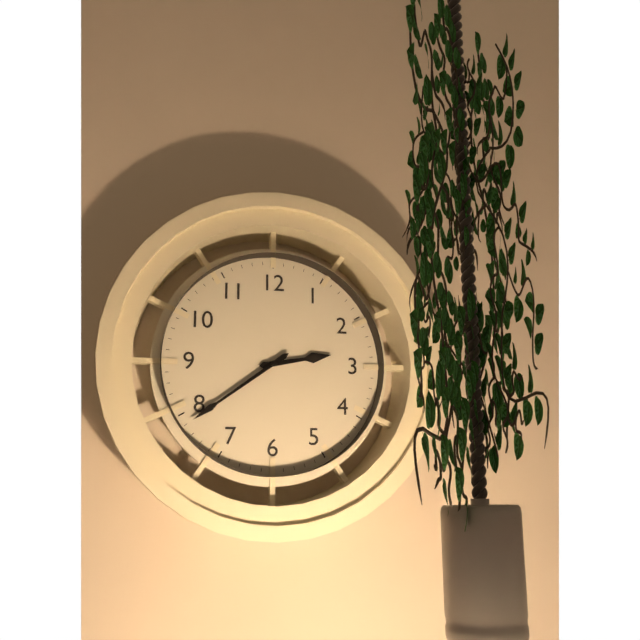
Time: **2:39**
